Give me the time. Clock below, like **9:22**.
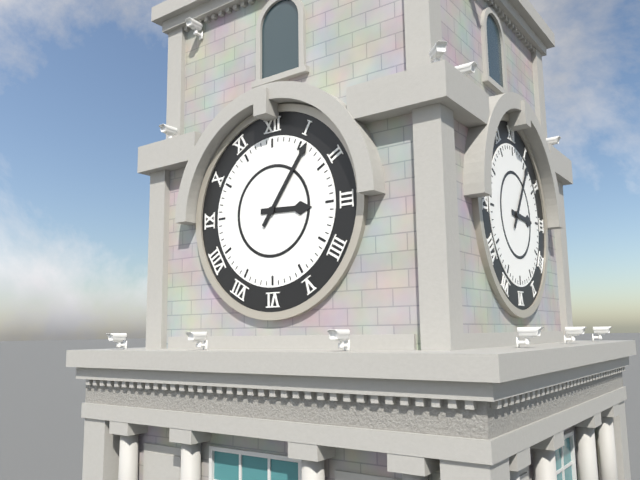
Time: **3:06**
